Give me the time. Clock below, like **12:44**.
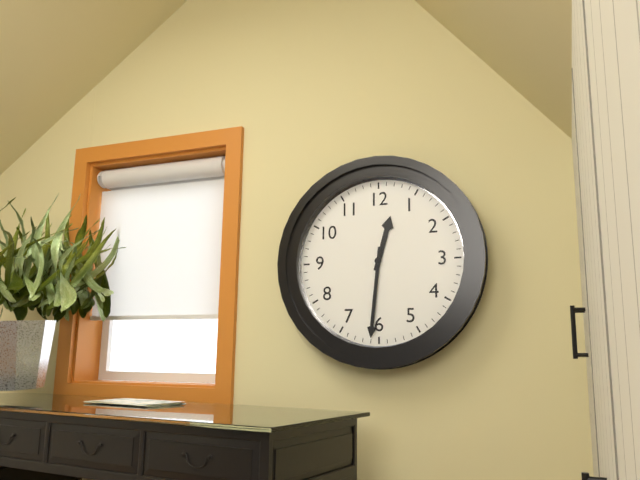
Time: **12:31**
